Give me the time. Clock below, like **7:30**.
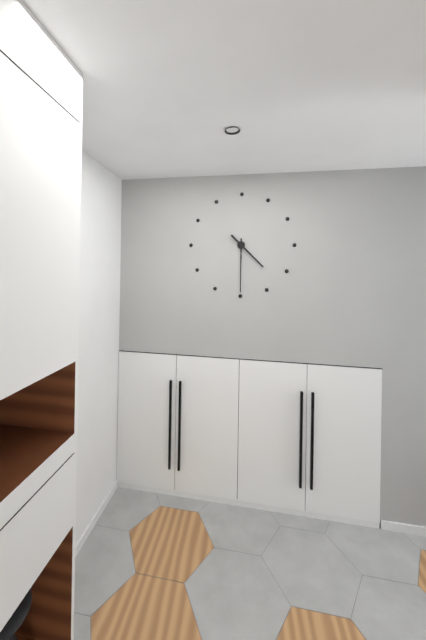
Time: **4:30**
